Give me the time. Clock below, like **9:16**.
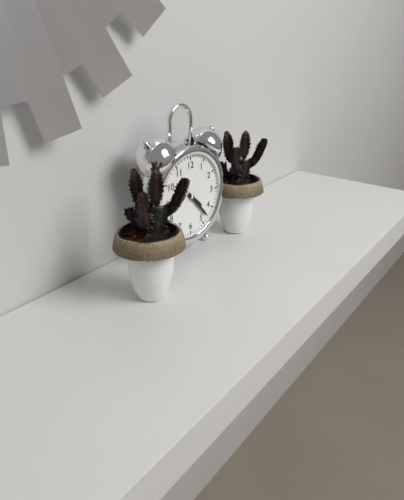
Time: **4:23**
